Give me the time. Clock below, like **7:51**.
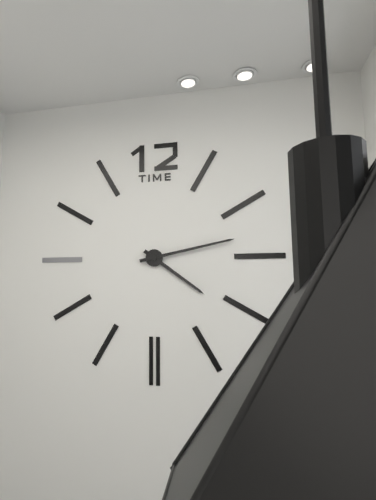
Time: **4:13**
